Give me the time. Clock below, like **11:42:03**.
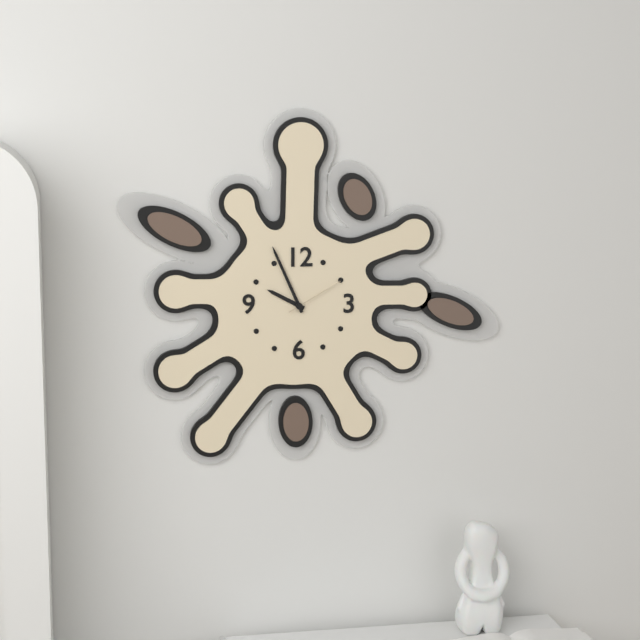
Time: **9:56:10**
